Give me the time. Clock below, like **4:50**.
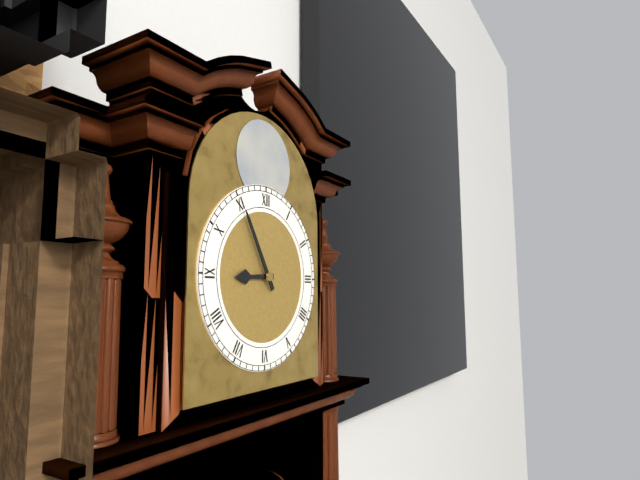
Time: **8:55**
